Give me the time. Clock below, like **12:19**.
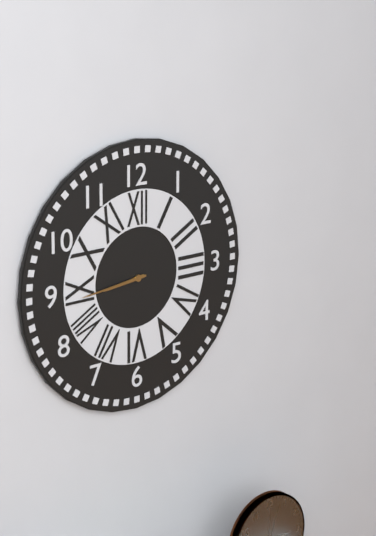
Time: **8:44**
